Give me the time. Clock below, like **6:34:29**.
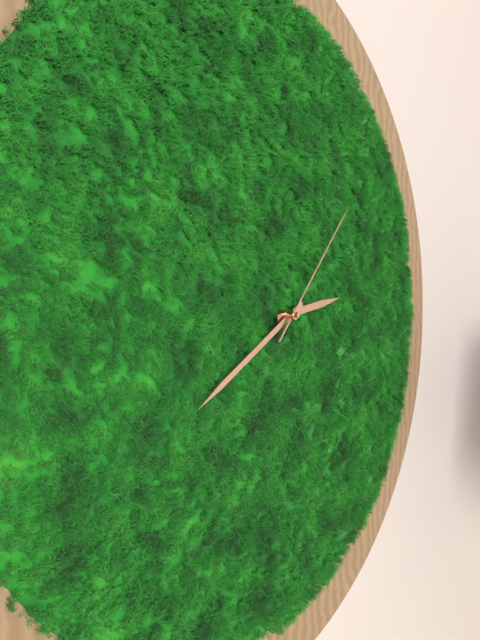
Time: **2:40:07**
